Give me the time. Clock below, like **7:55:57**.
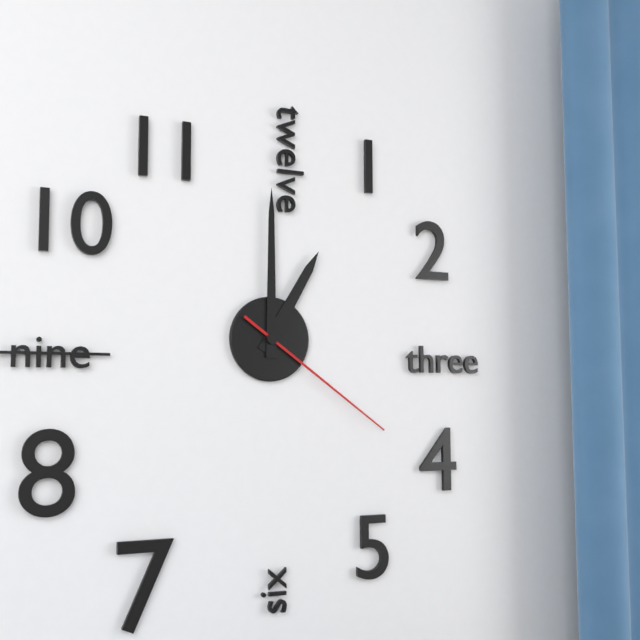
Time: **1:00:21**
